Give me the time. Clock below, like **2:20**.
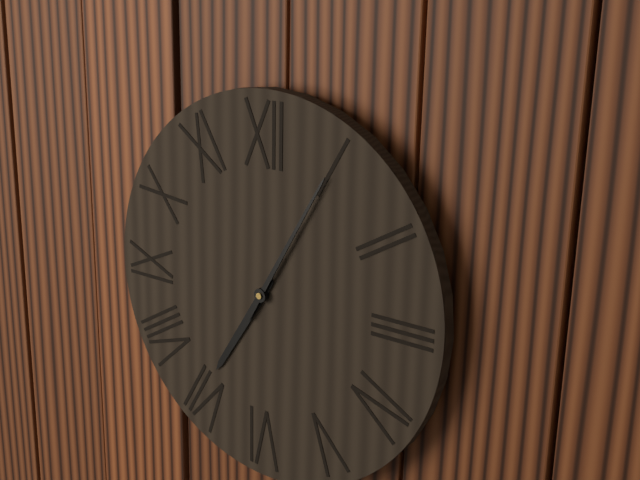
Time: **7:05**
